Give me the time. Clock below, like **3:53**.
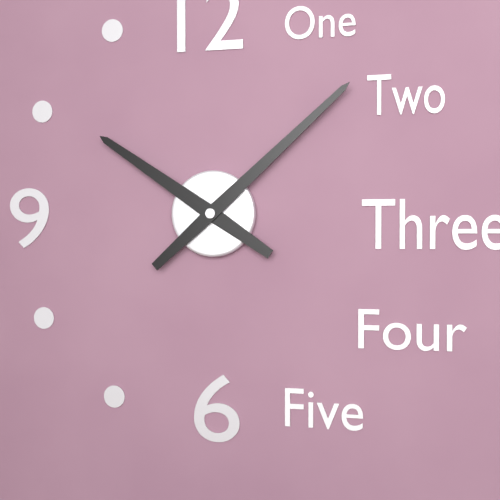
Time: **10:08**
